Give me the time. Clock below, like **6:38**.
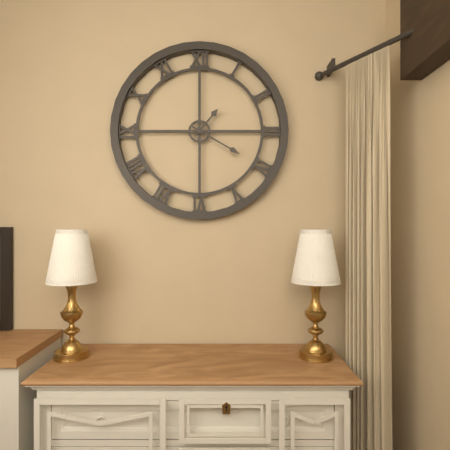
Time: **1:20**
